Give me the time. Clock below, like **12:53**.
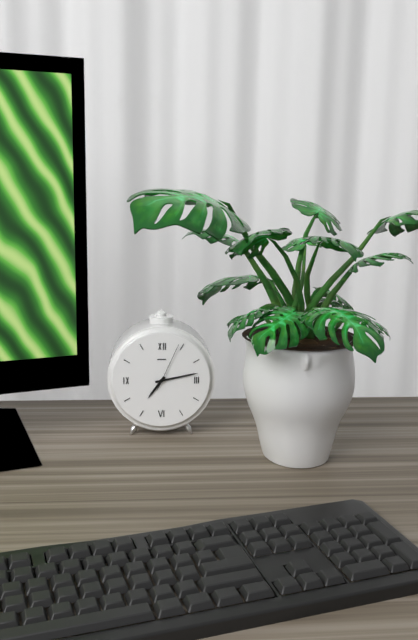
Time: **7:13**
